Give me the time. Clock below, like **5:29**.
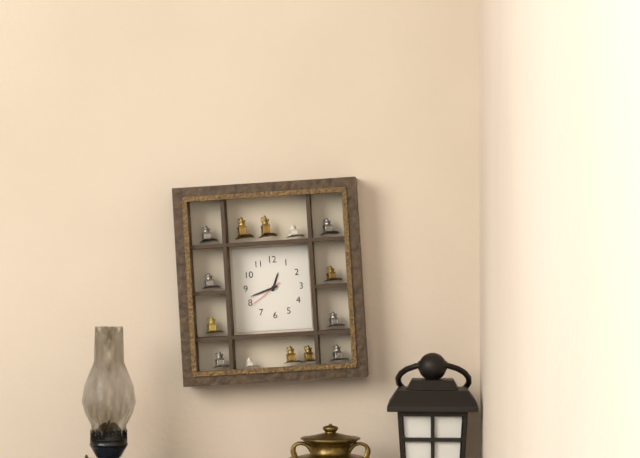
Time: **12:42**
